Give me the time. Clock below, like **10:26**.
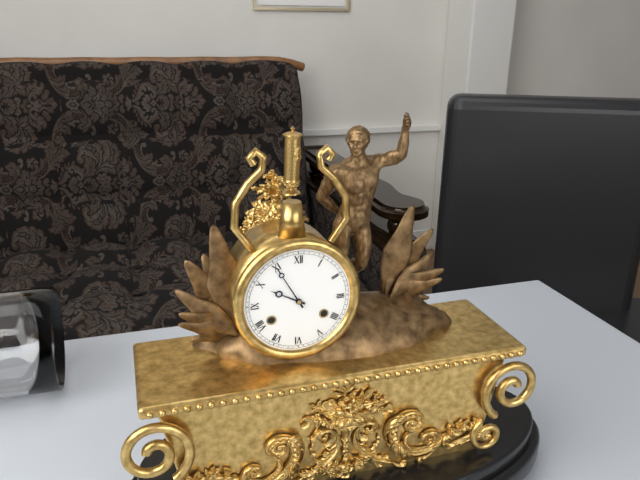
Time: **9:55**
